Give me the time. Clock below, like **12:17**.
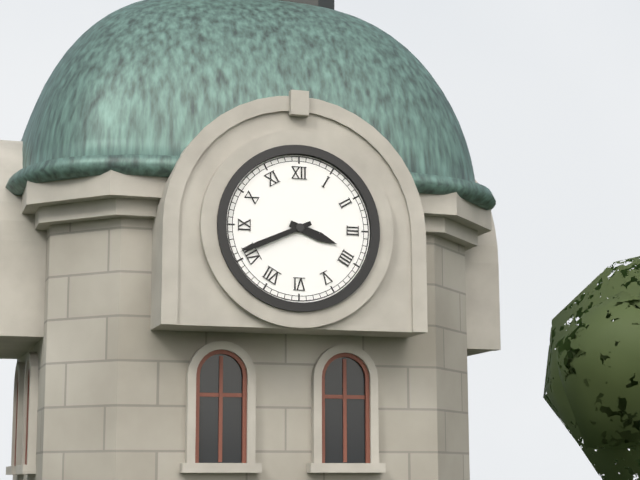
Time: **3:41**
